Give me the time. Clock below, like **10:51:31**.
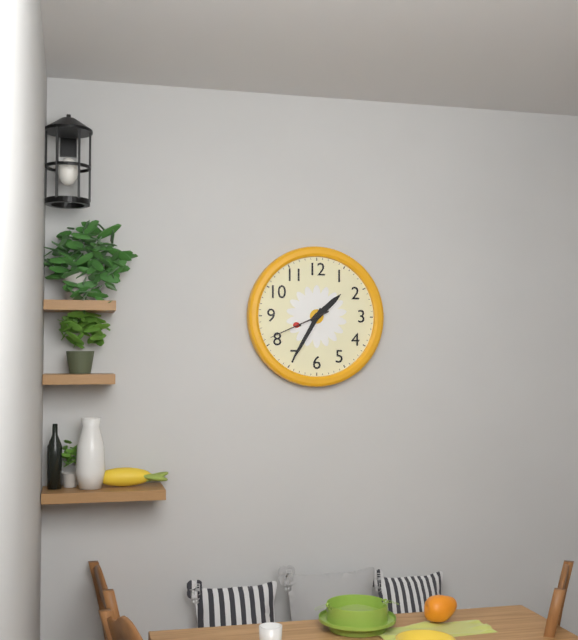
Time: **1:35:41**
